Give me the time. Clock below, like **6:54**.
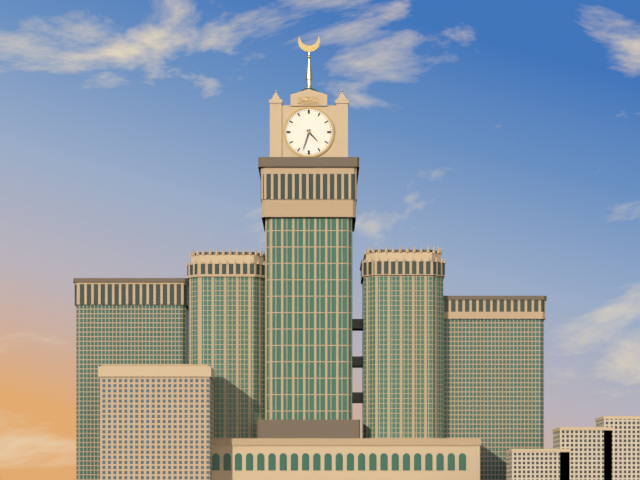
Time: **4:33**
